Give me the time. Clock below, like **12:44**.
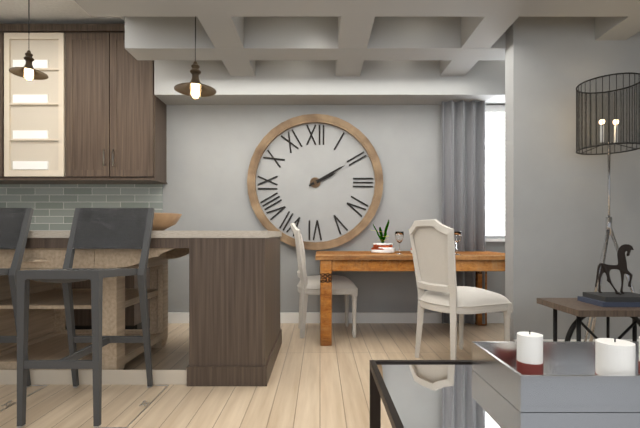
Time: **2:10**
